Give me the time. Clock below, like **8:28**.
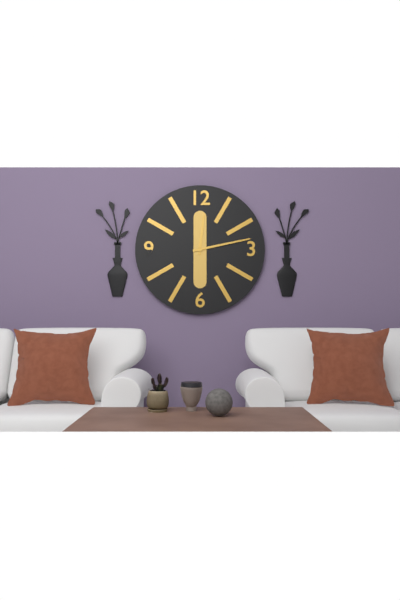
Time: **12:13**
